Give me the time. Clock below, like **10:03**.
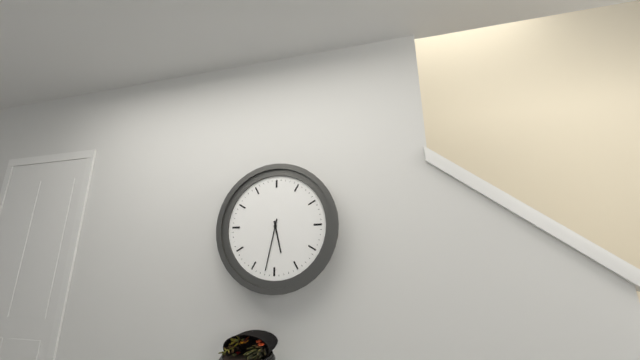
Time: **5:32**
